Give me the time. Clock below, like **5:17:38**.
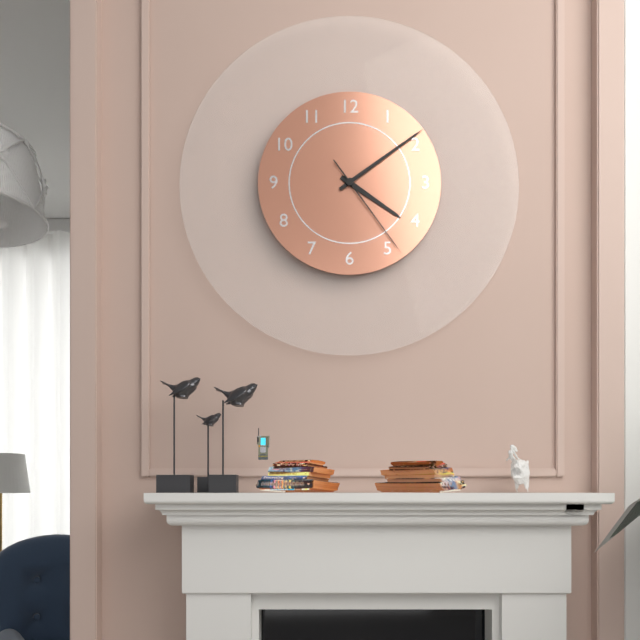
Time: **4:09:24**
